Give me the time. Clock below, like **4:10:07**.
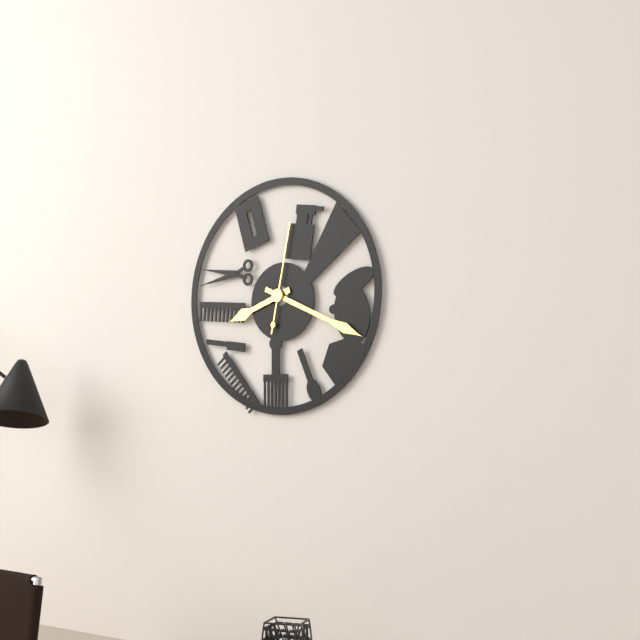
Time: **8:19:02**
